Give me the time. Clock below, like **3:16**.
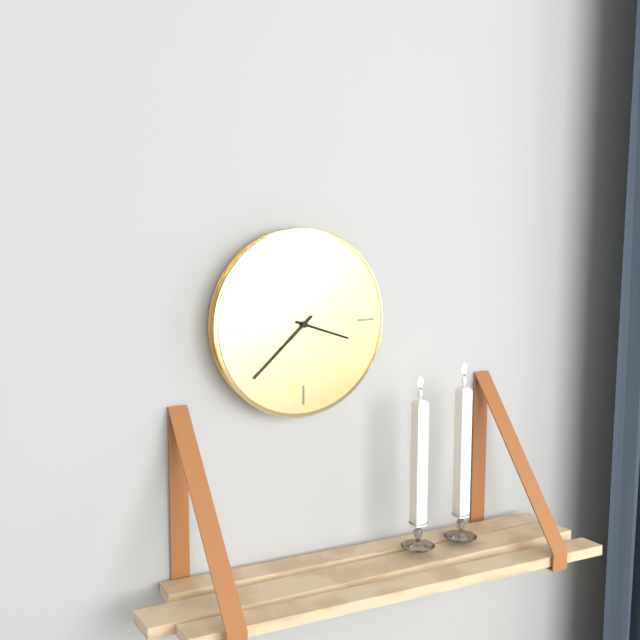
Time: **3:38**
